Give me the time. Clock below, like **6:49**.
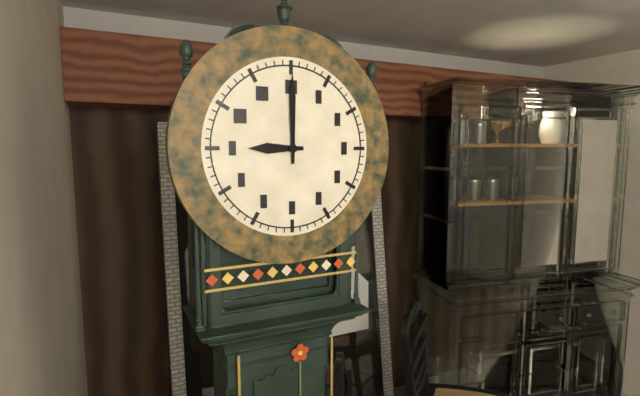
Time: **9:00**
